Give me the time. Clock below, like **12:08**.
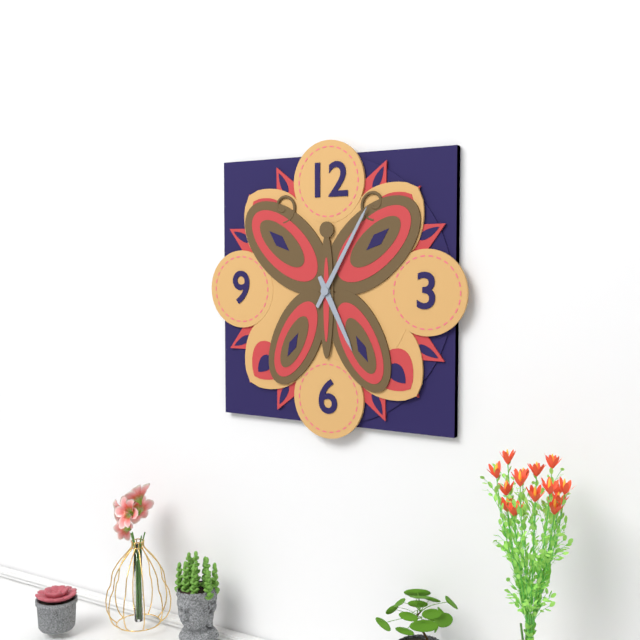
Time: **5:05**
